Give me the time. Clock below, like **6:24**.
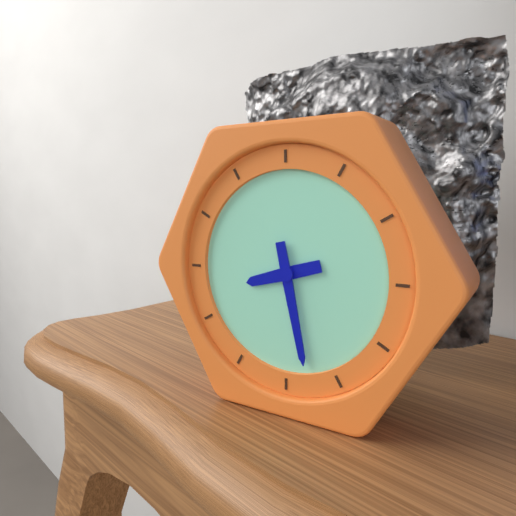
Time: **8:28**
